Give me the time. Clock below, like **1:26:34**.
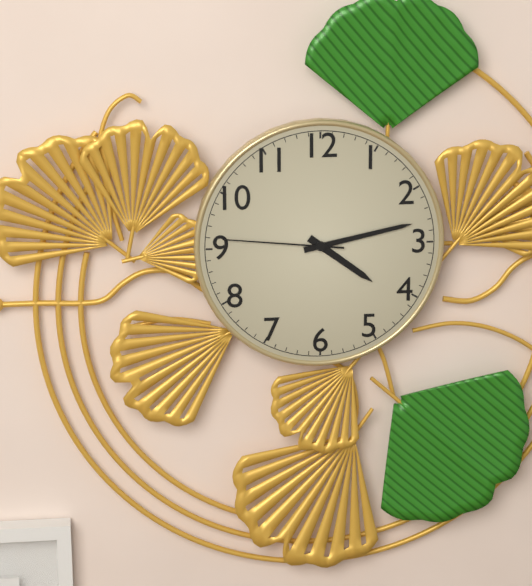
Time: **4:13:46**
